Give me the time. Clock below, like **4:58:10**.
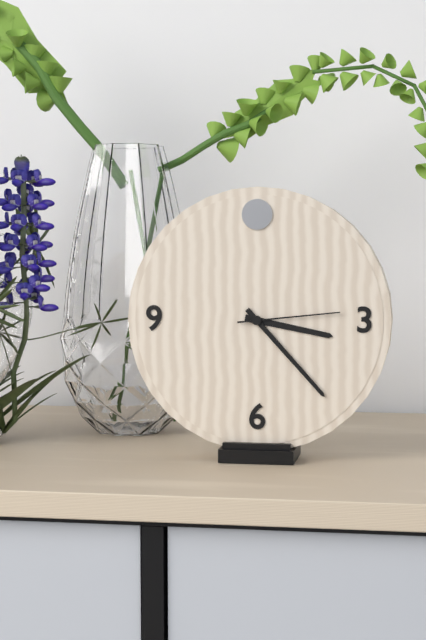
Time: **3:23:14**
